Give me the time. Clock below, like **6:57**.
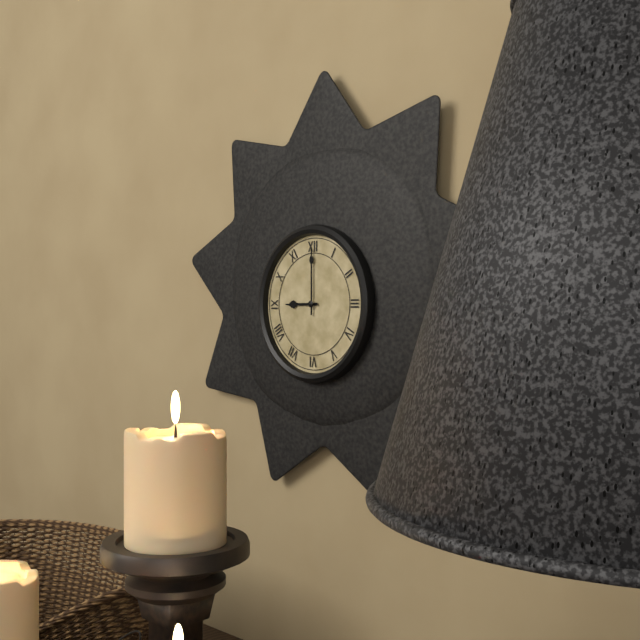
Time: **9:00**
